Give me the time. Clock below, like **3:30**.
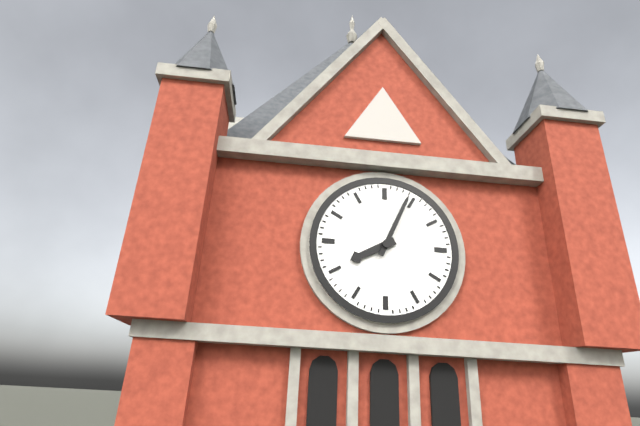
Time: **8:04**
